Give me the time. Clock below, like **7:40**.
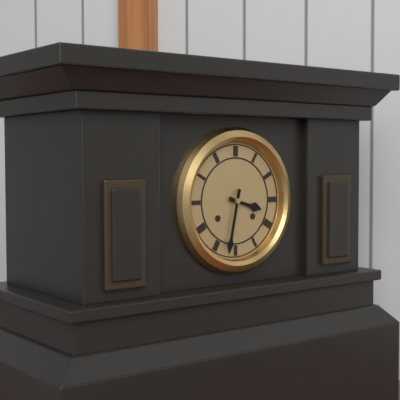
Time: **3:32**
